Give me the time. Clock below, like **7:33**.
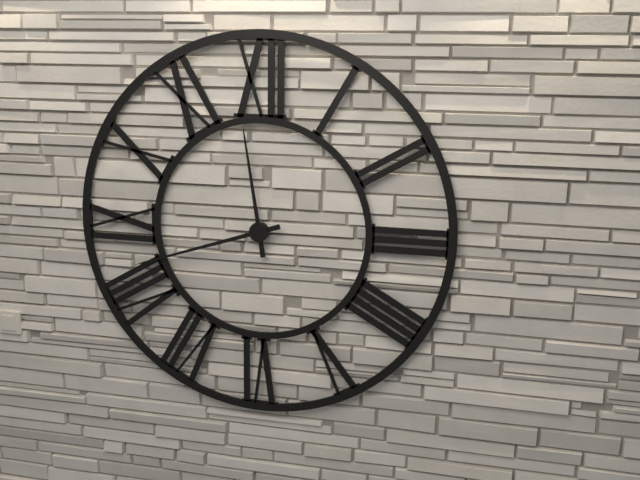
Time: **11:42**
